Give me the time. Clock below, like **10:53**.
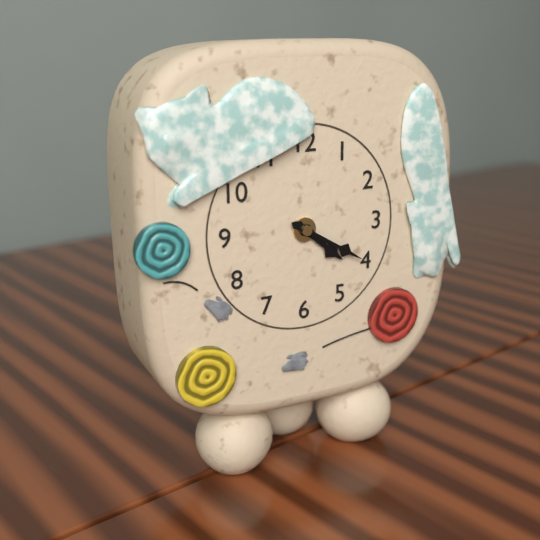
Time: **4:20**
